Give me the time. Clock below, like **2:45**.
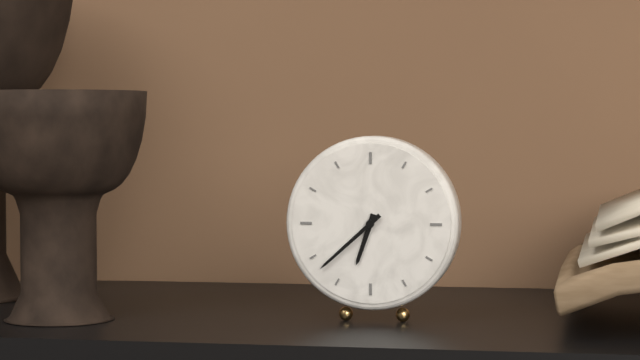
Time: **6:38**
